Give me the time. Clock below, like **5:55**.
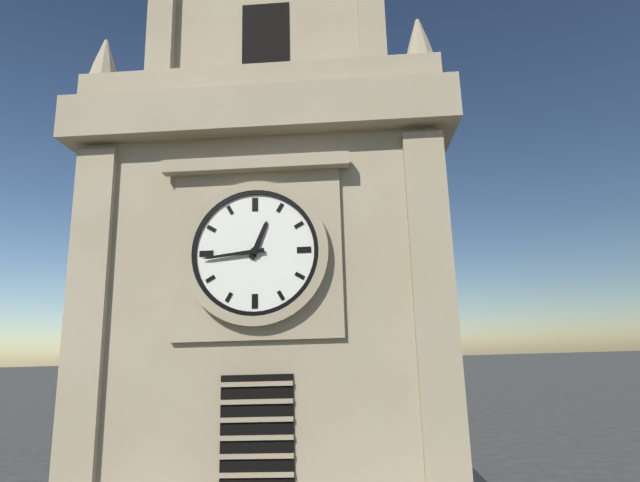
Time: **12:44**
